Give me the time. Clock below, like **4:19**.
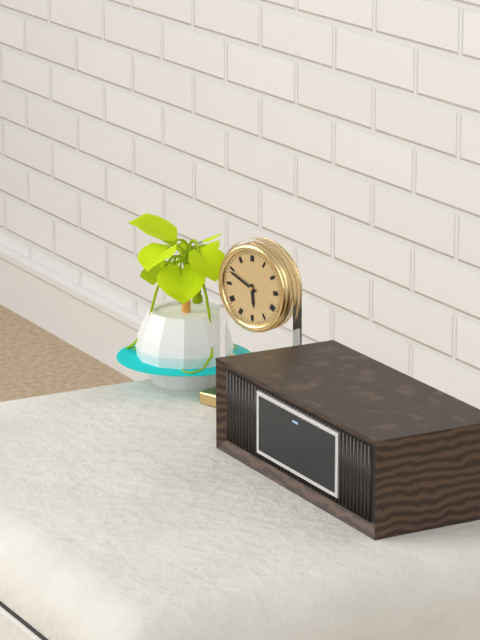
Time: **5:49**
